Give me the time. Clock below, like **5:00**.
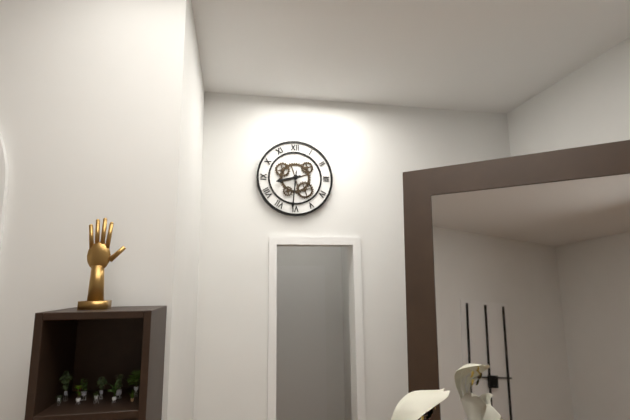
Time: **8:31**
